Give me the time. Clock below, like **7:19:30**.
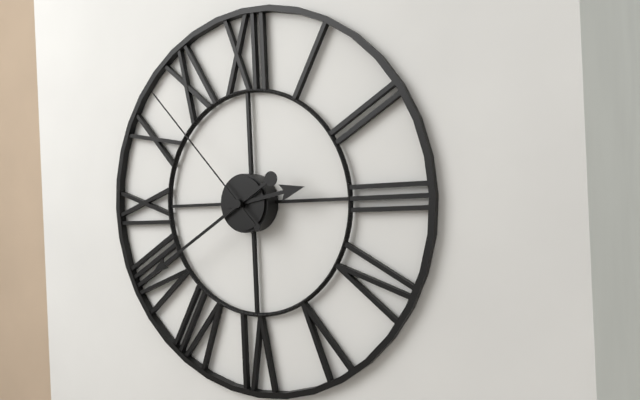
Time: **2:40:53**
